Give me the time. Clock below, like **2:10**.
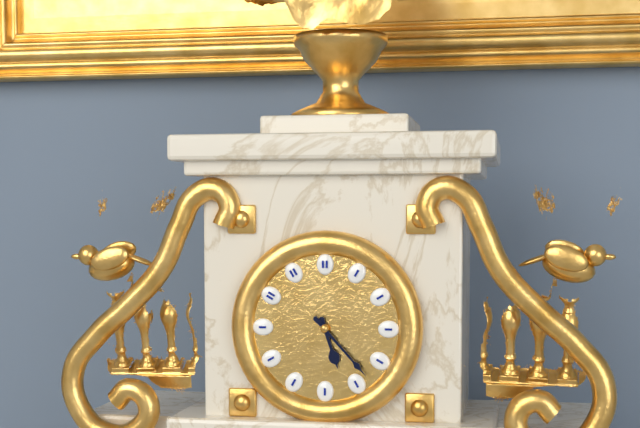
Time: **5:23**
